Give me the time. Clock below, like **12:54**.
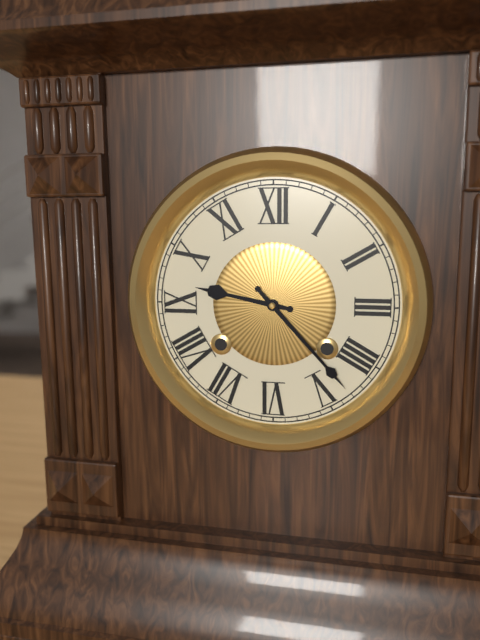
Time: **9:23**
